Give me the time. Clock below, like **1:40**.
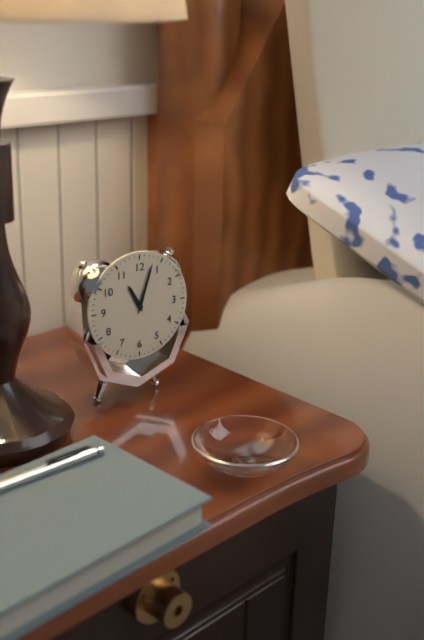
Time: **11:03**
